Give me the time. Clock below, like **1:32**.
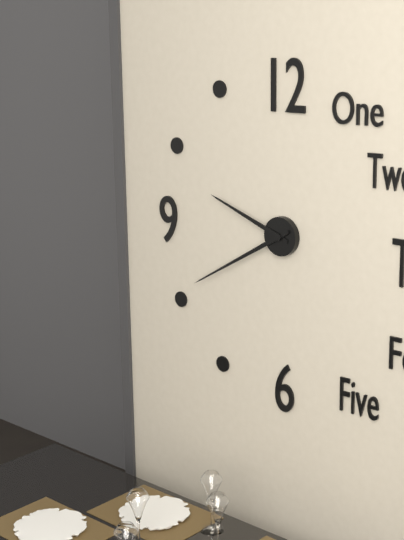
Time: **9:40**
